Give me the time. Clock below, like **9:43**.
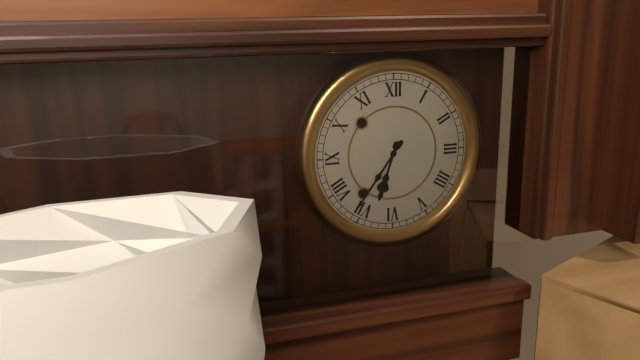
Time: **6:36**
